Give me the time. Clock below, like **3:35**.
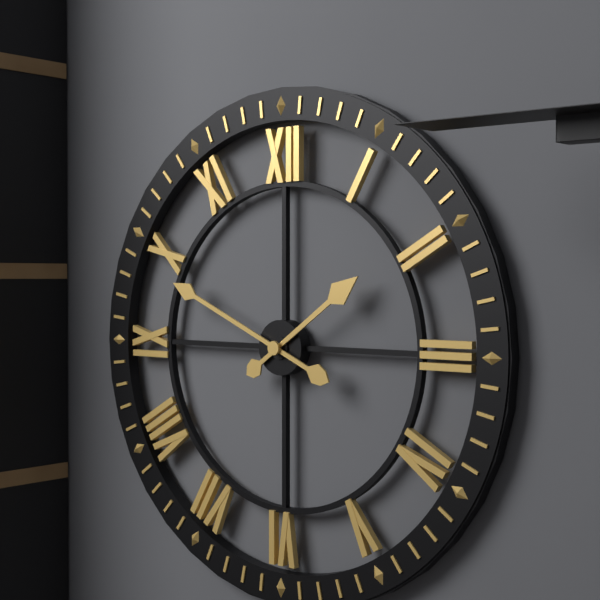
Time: **1:49**
